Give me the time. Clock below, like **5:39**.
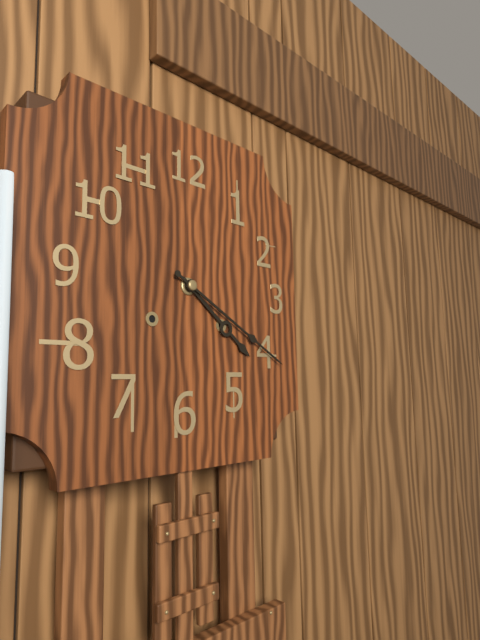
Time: **4:20**
